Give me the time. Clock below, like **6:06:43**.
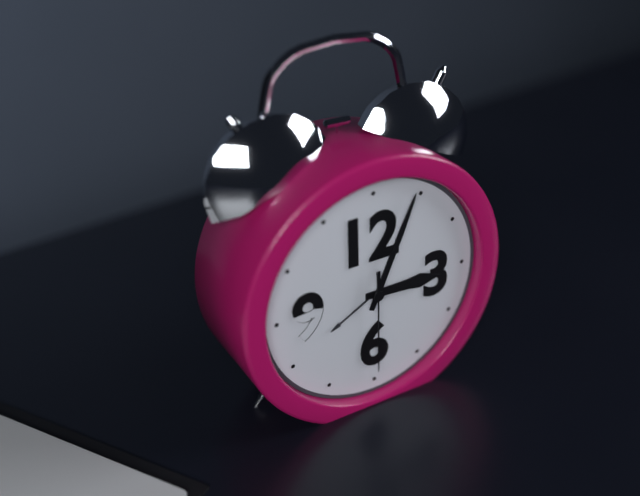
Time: **3:04:30**
